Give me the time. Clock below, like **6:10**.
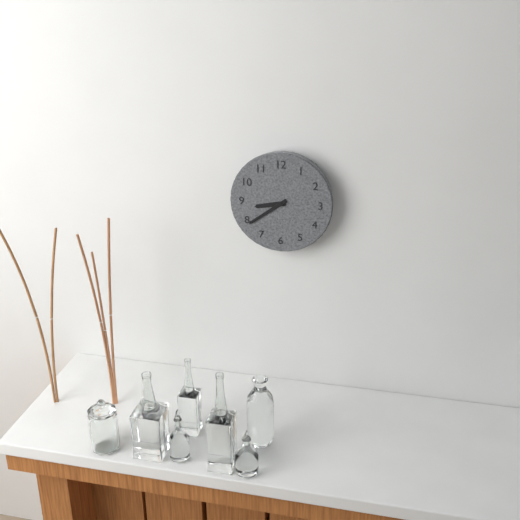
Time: **8:39**
